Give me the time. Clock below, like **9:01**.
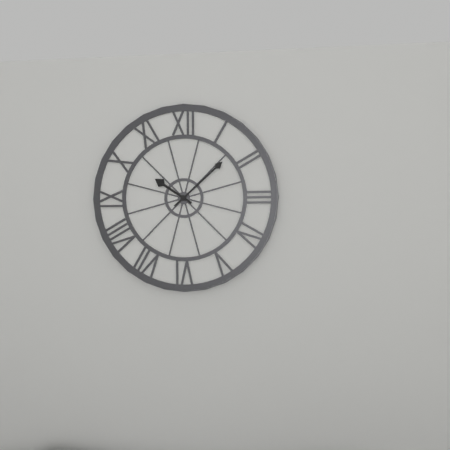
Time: **10:08**
